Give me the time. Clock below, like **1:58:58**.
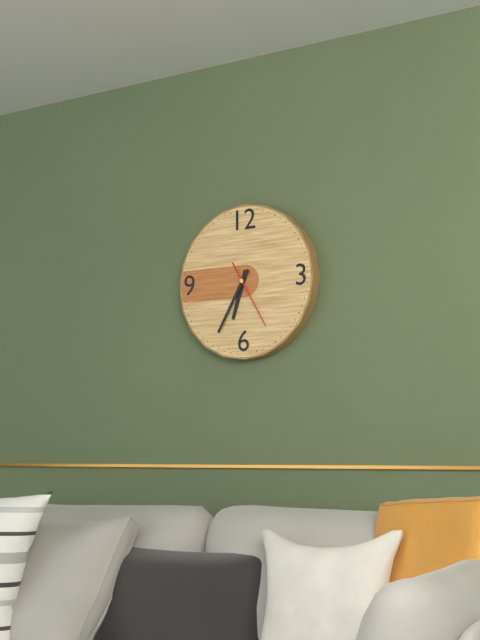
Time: **6:35:25**
